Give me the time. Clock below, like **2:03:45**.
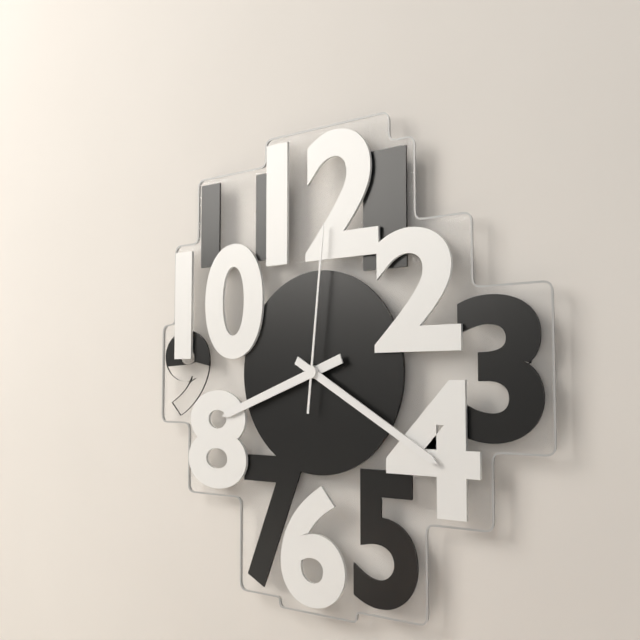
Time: **8:20:01**
